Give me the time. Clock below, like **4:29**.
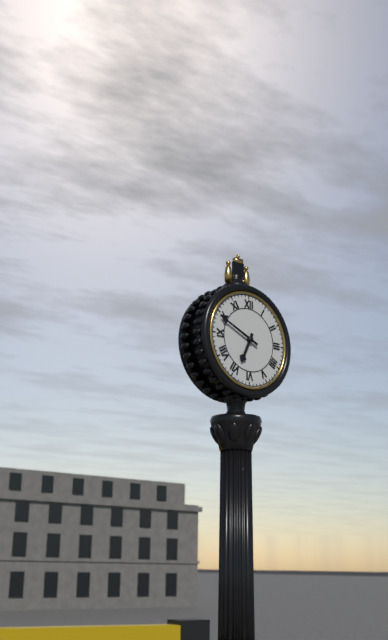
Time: **6:49**
